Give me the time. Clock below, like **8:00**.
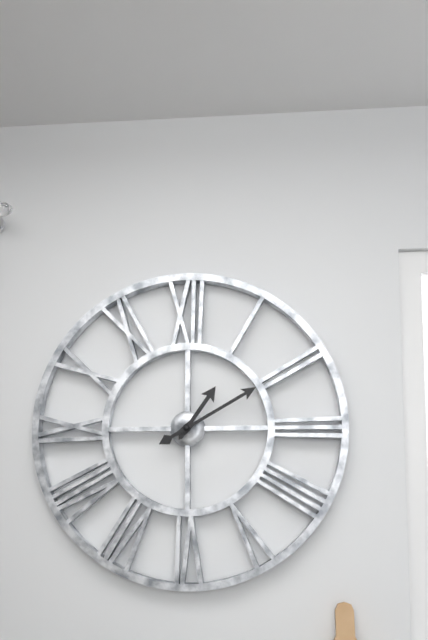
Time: **1:10**
